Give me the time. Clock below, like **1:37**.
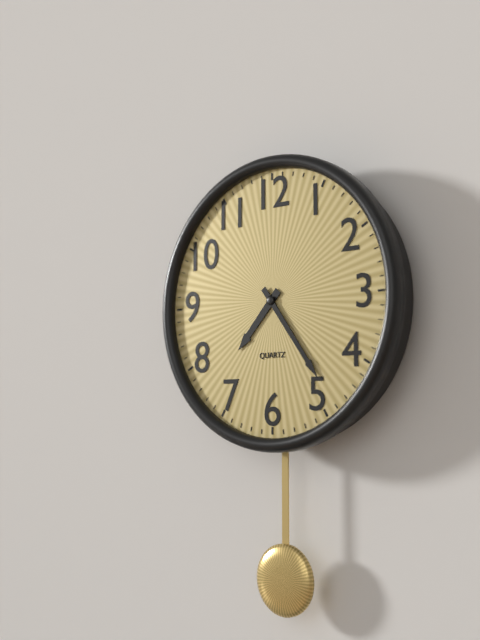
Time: **7:24**
